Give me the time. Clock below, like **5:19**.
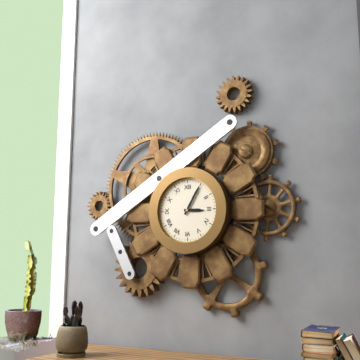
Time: **3:05**
